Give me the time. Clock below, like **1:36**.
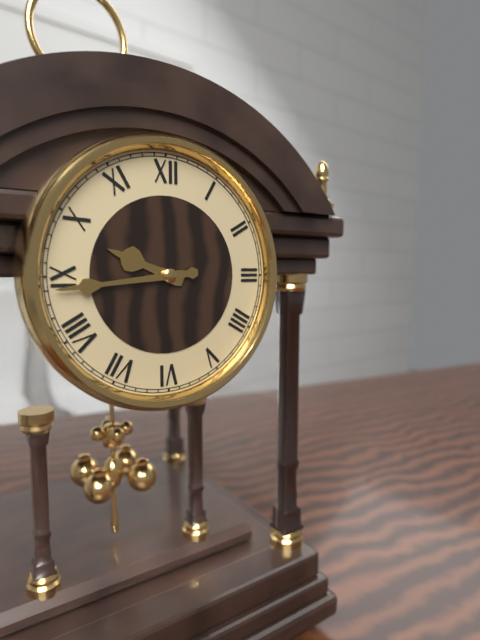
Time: **9:44**
